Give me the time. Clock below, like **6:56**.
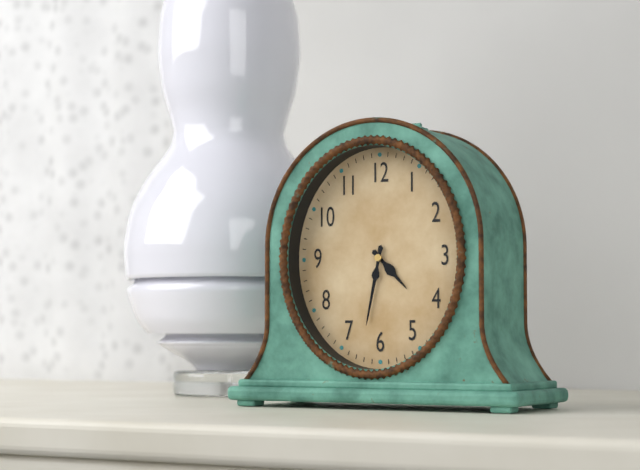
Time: **4:32**
